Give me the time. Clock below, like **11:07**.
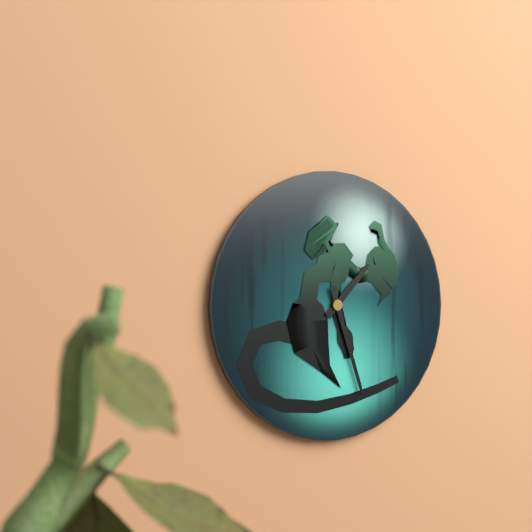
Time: **1:27**
